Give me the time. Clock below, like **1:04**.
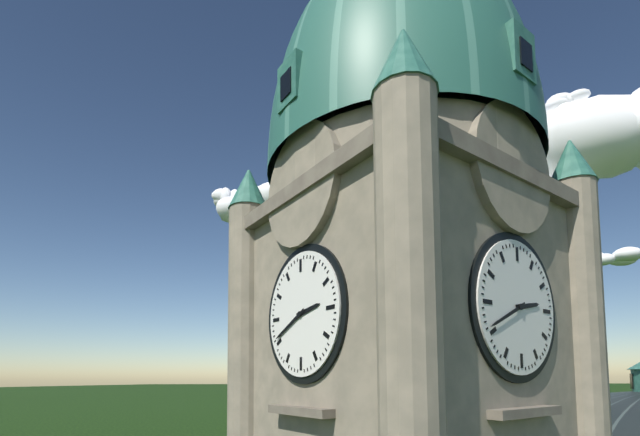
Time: **2:41**
